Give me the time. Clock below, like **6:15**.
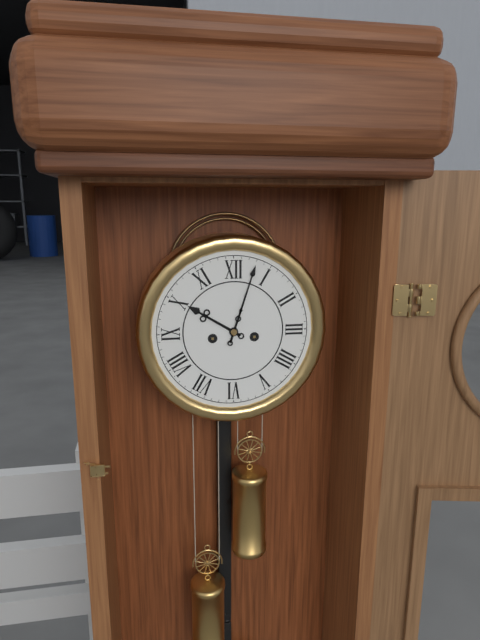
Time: **10:03**
